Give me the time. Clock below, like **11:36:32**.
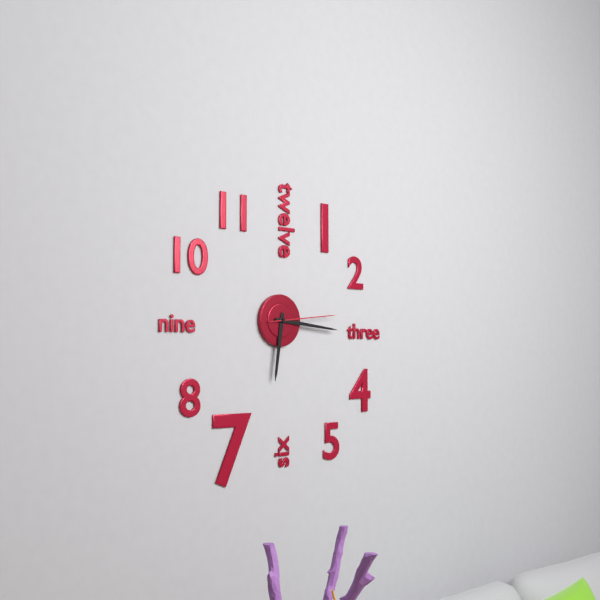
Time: **6:16:14**
